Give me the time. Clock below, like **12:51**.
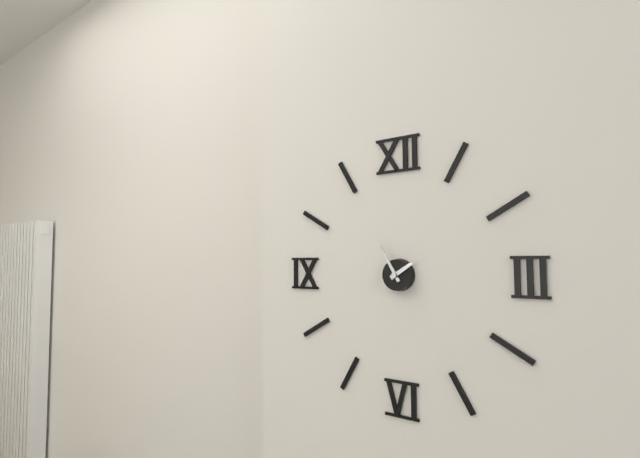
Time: **1:55**
